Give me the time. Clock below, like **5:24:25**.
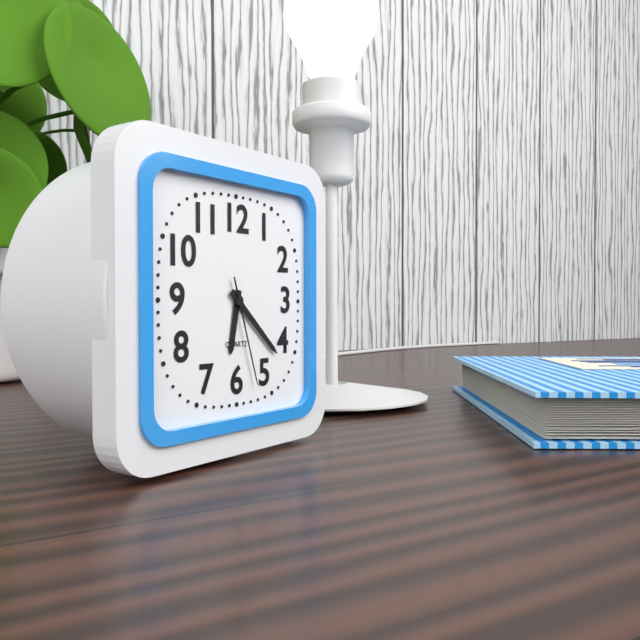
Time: **6:22:27**
